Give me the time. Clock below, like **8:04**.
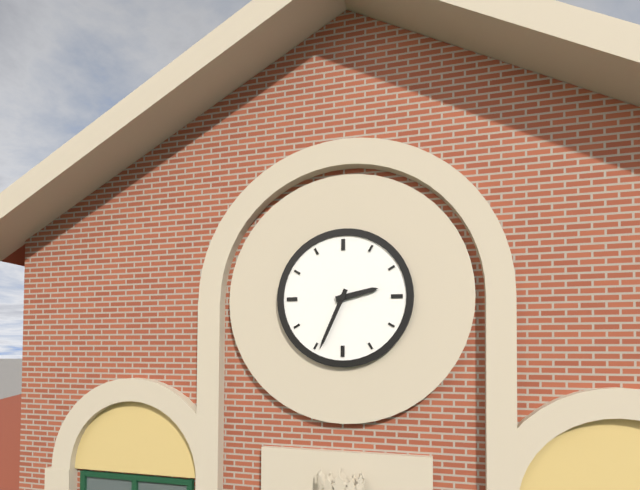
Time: **2:34**
